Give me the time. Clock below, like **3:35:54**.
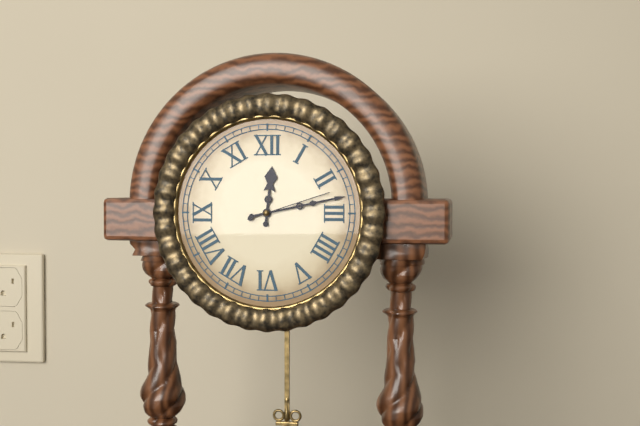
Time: **12:13:12**
